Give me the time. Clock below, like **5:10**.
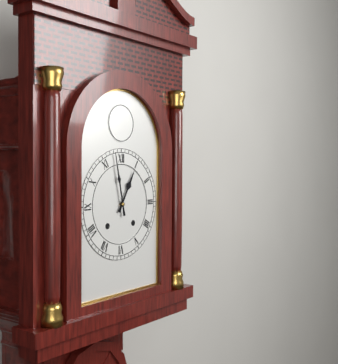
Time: **12:58**
